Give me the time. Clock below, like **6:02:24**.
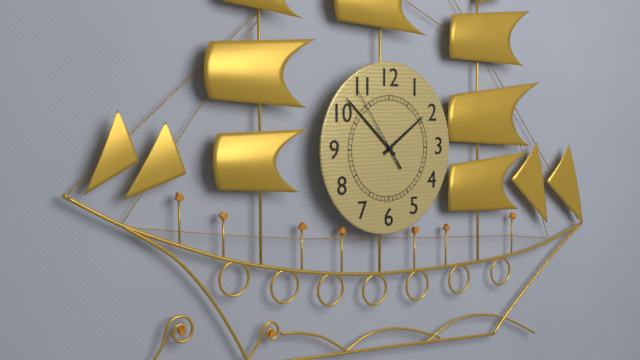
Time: **1:52:54**
